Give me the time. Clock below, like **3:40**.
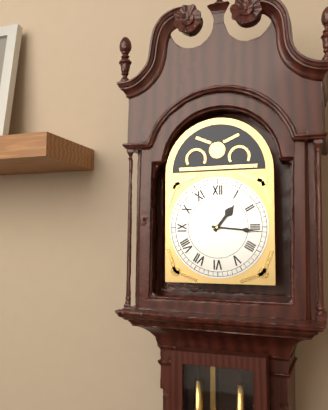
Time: **1:16**
